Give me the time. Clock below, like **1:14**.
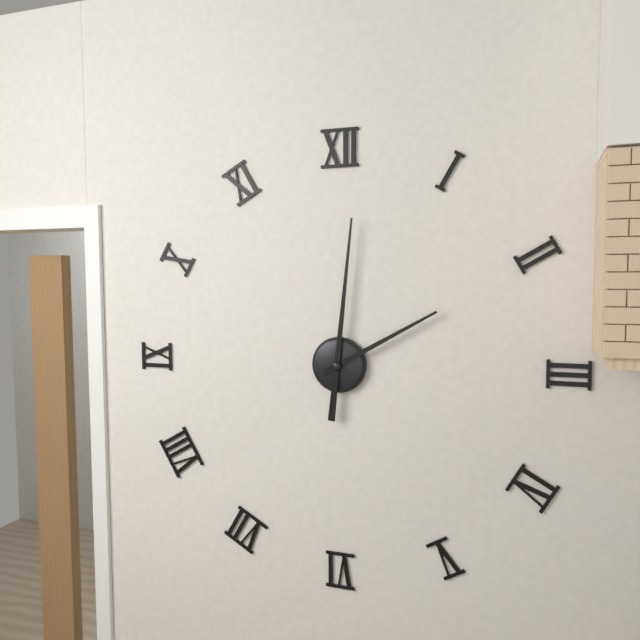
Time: **2:01**
